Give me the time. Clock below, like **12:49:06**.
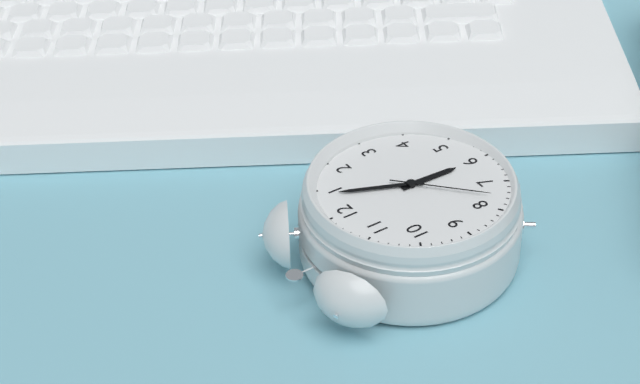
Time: **6:04:38**
